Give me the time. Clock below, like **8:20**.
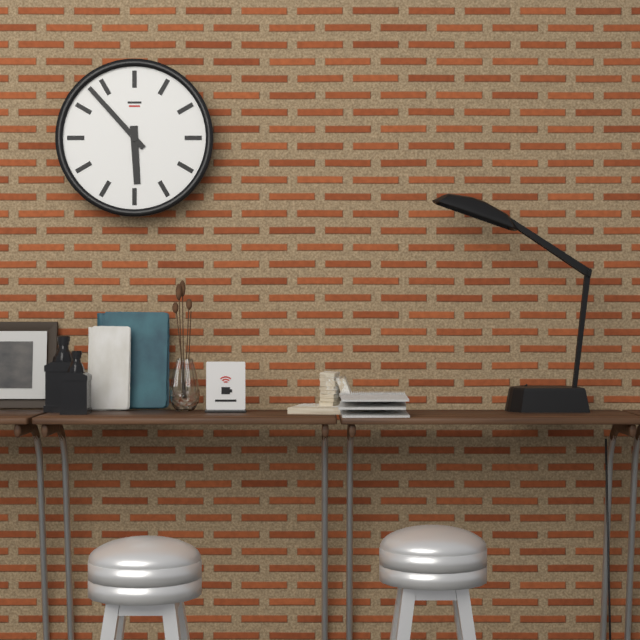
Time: **5:53**
